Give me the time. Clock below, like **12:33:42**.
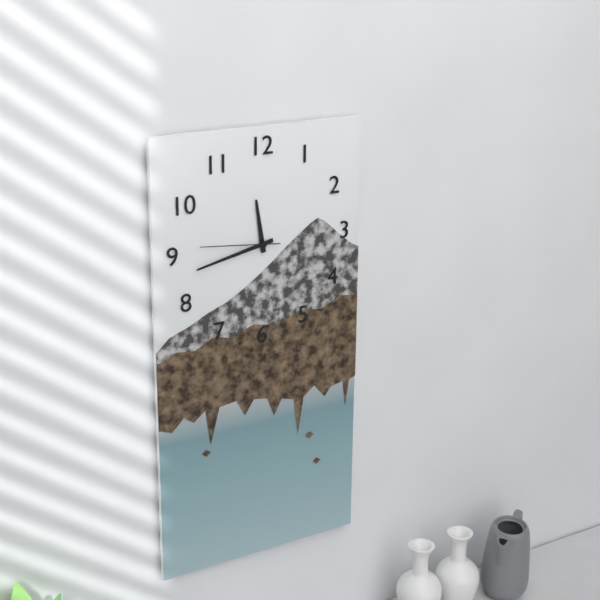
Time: **11:43:46**
